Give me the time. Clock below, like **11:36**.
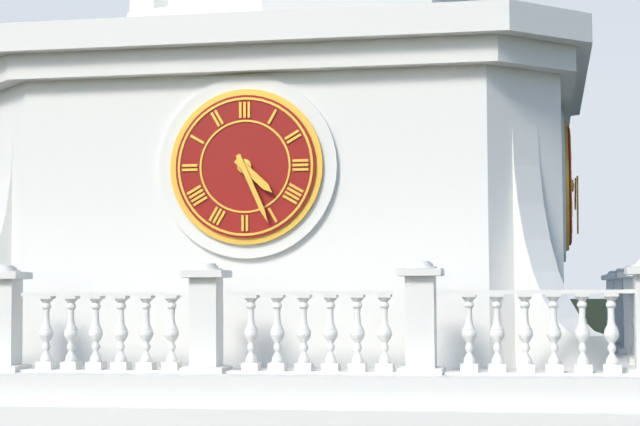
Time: **4:26**
